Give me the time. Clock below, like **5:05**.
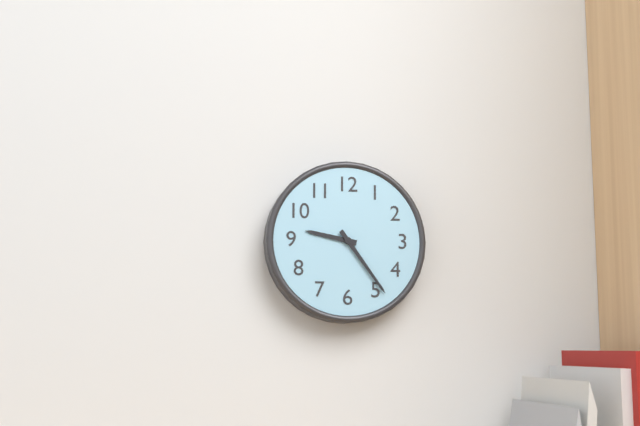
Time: **9:24**
